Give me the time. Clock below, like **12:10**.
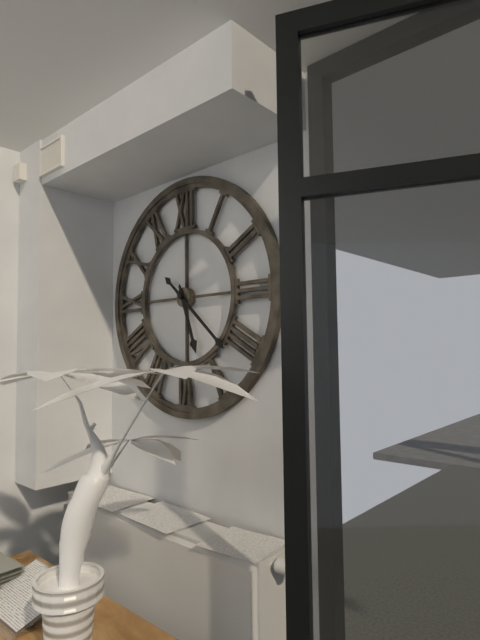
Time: **5:22**
